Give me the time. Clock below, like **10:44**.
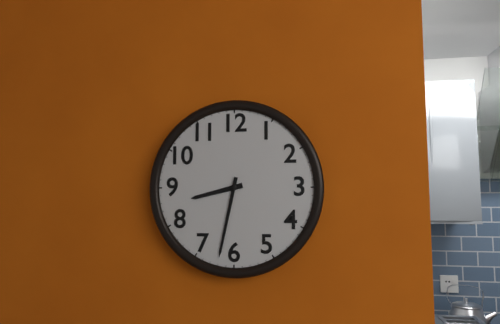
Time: **8:32**
